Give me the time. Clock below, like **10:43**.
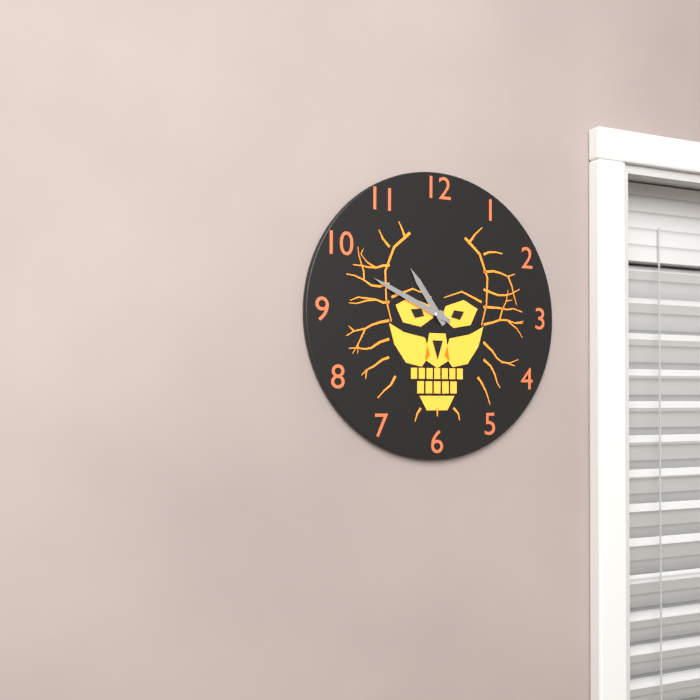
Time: **10:49**
